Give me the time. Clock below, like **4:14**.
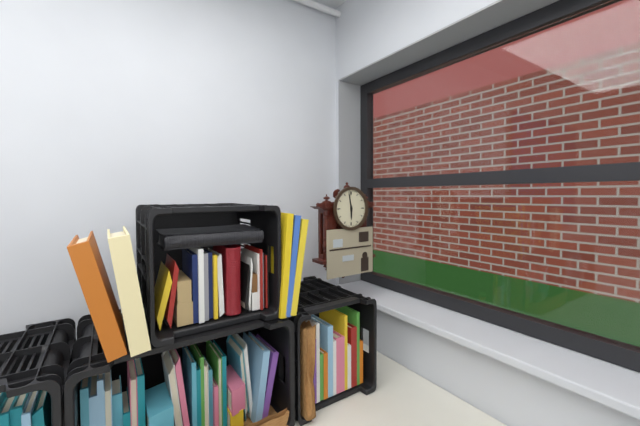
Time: **5:58**
